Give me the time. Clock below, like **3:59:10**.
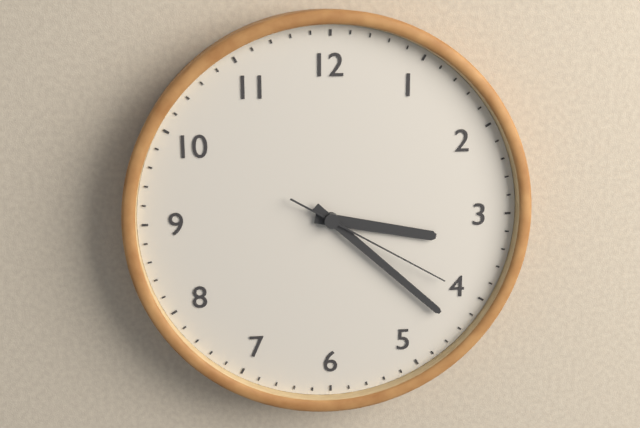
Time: **3:22:20**
